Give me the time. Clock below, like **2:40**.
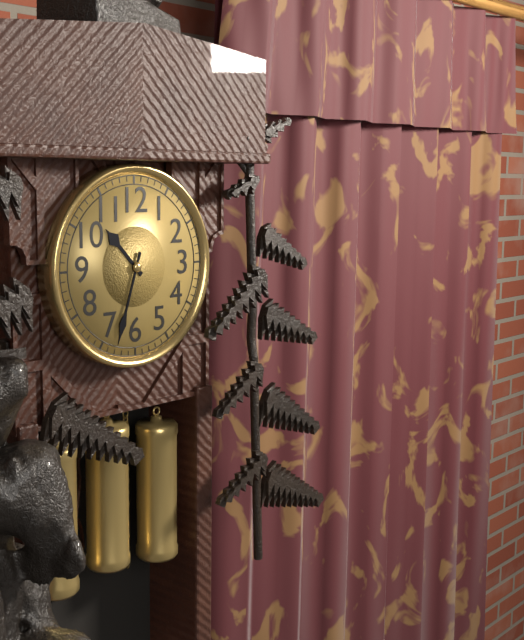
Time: **10:33**
